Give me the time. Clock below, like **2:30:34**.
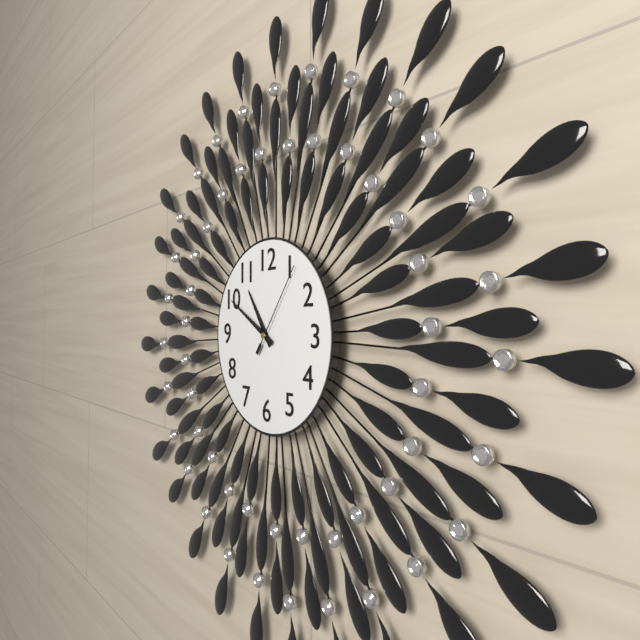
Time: **10:50:06**
